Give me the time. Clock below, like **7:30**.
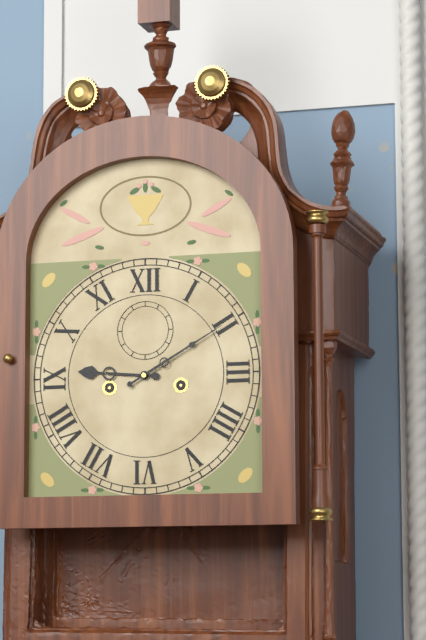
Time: **9:10**
